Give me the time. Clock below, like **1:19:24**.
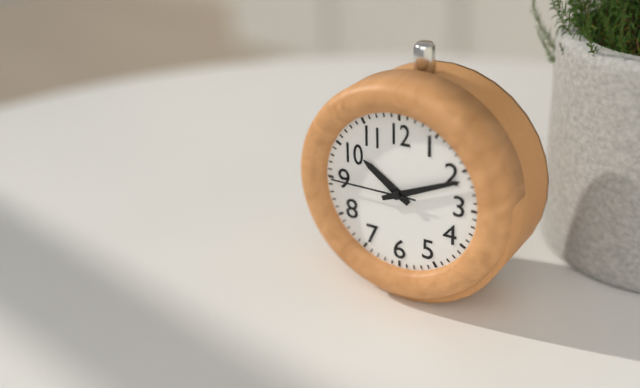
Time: **10:11:45**
